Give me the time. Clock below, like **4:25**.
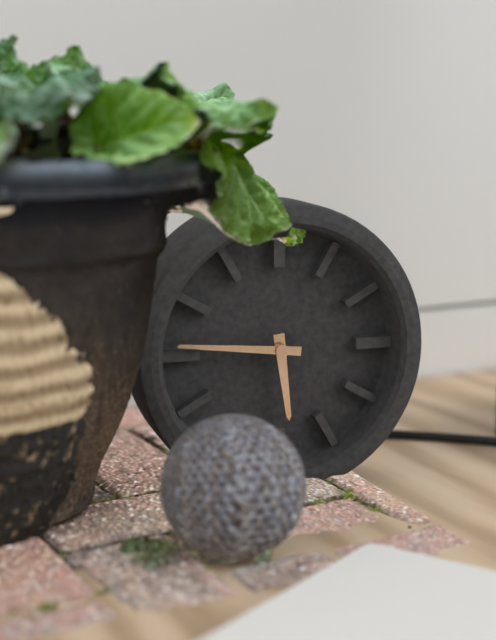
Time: **5:46**
